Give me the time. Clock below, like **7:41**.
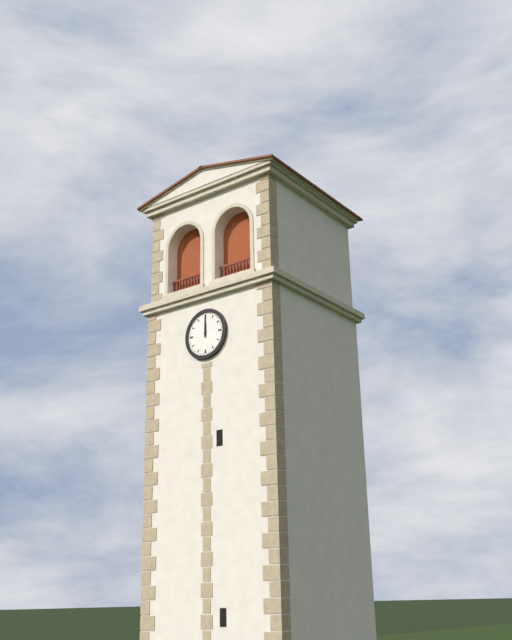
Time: **12:00**
